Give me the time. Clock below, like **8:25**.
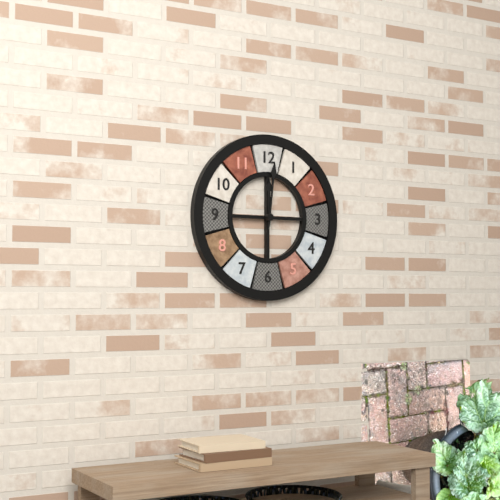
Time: **12:01**
